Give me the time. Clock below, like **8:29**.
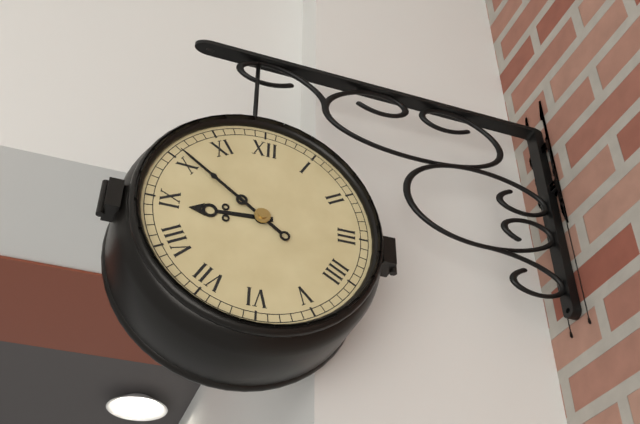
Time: **8:51**
